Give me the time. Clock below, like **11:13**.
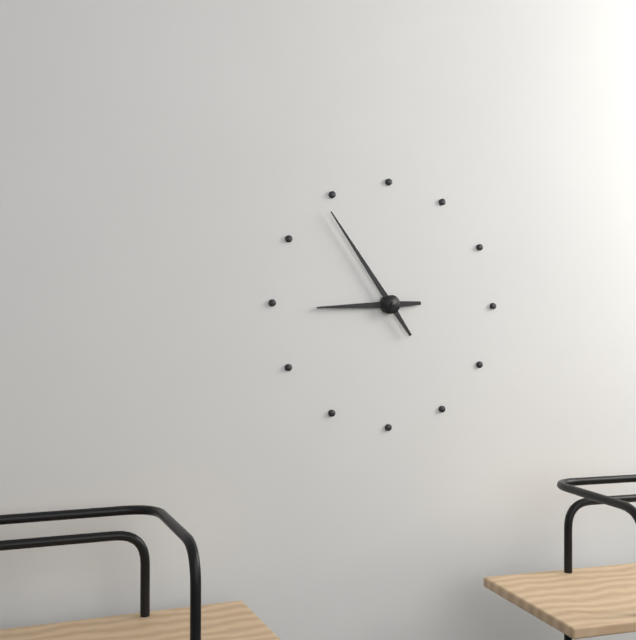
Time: **8:54**
